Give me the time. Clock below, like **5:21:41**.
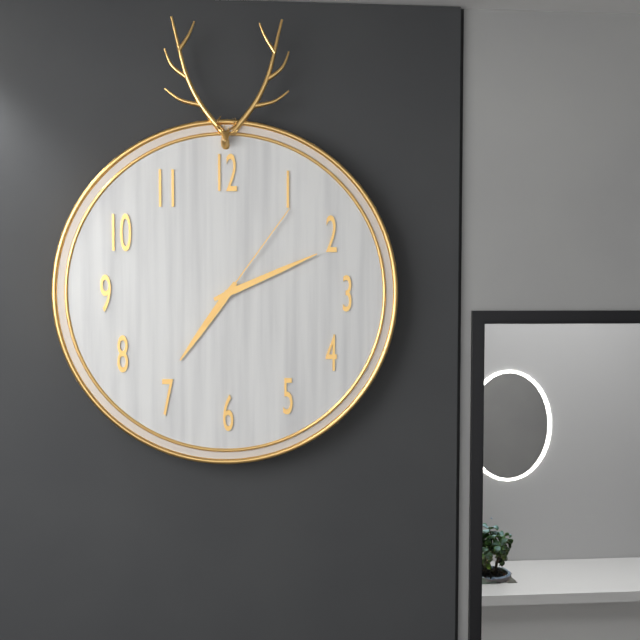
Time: **7:11:06**
